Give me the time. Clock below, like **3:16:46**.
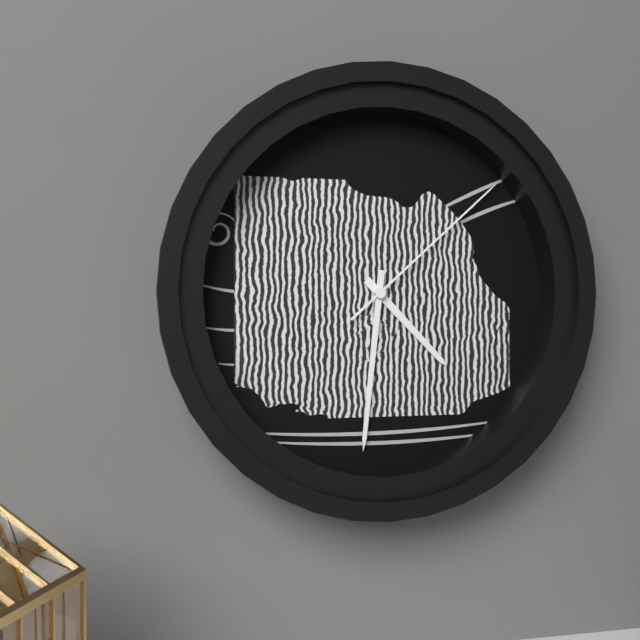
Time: **4:31:08**
